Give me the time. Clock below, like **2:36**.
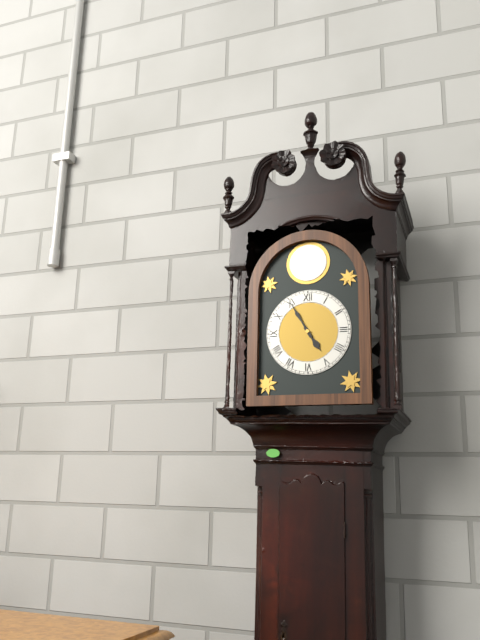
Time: **4:55**
